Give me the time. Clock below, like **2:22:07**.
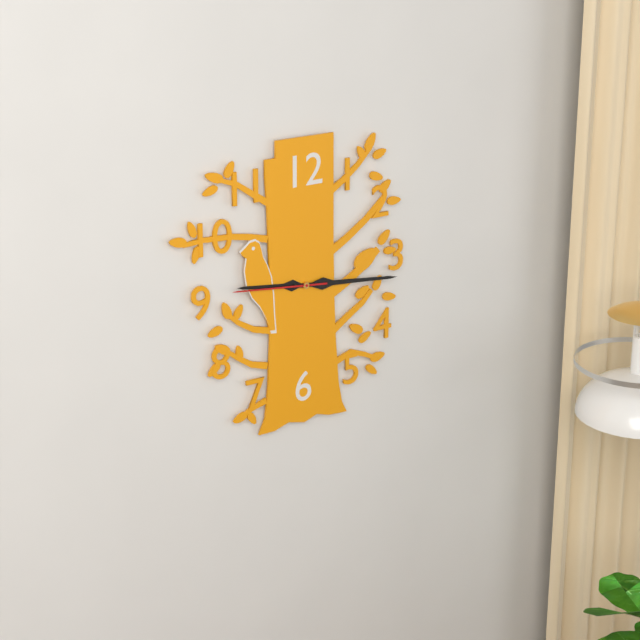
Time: **9:16:46**
